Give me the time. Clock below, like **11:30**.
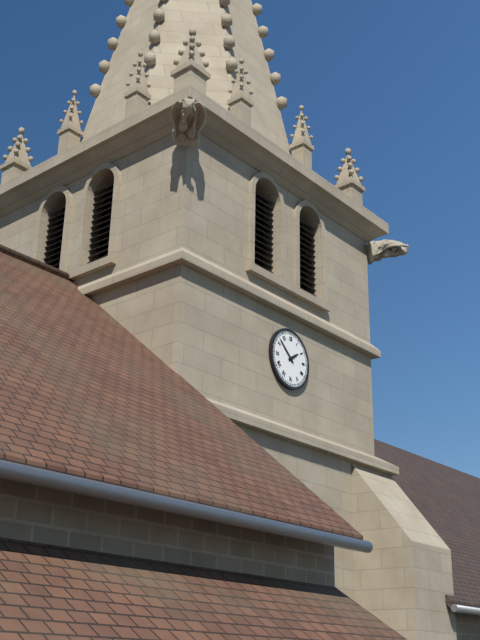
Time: **1:52**
